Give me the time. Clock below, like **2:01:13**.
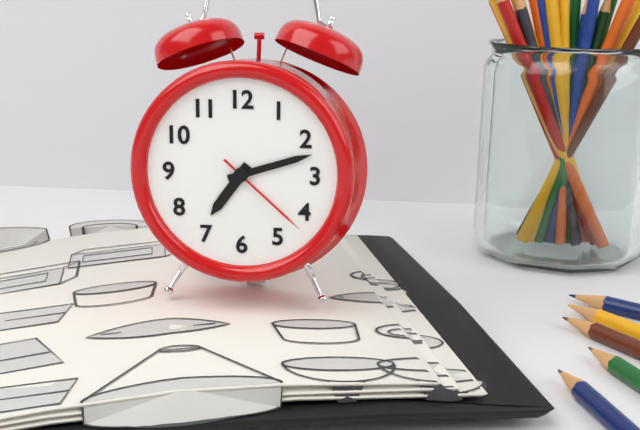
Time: **7:12:22**
